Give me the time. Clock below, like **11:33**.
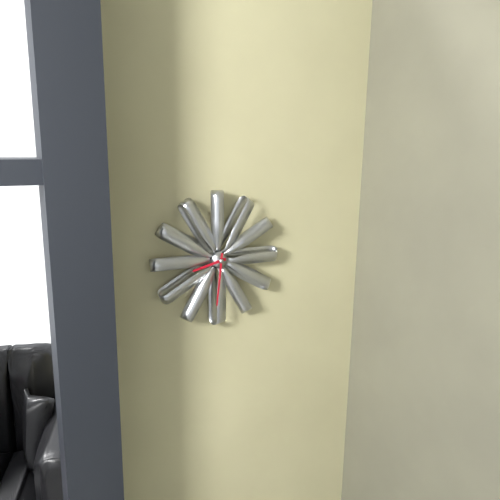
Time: **8:31**
